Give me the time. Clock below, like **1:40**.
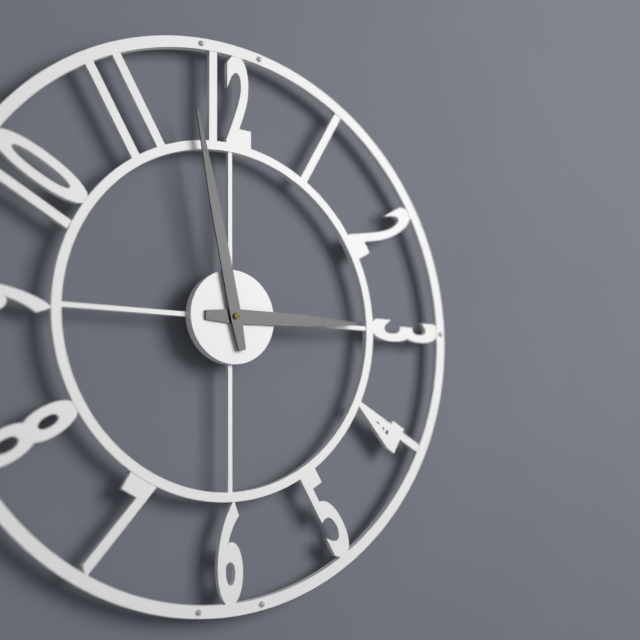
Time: **2:58**
